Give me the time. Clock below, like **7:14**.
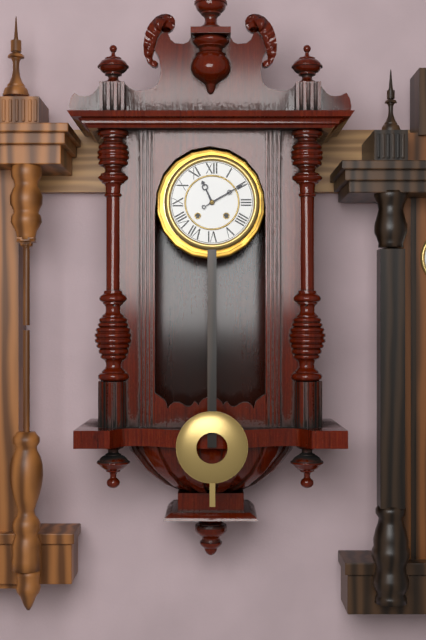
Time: **11:10**
